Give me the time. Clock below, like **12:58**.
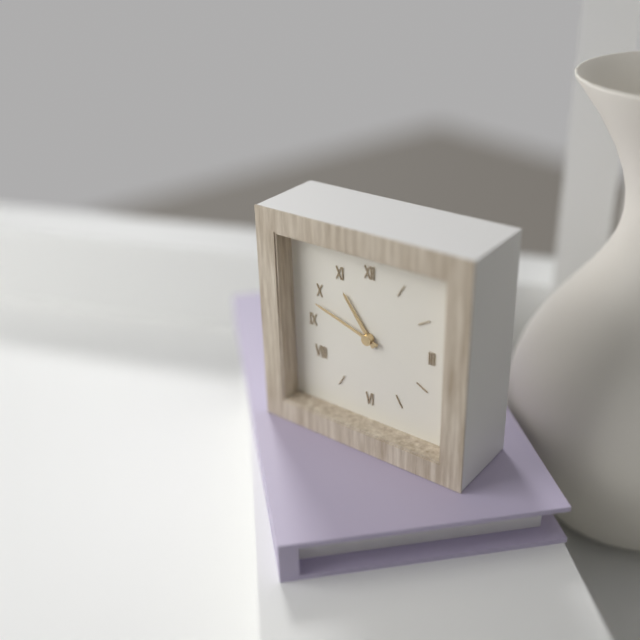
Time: **10:48**
